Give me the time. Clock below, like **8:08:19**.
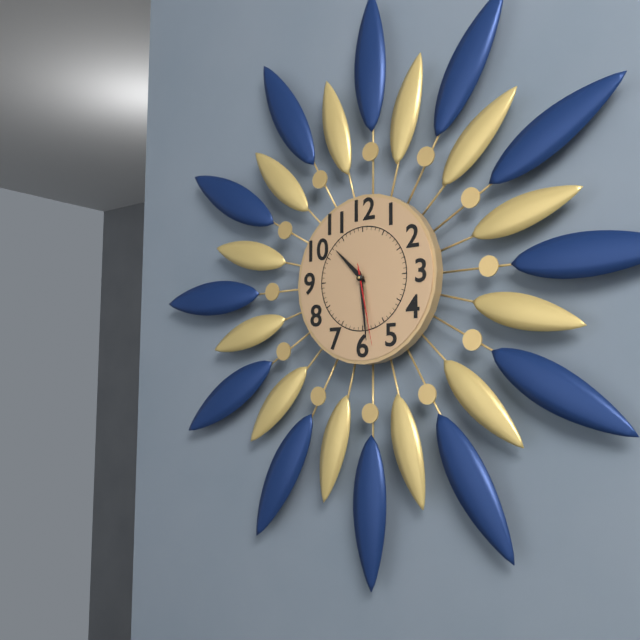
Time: **10:29:28**
